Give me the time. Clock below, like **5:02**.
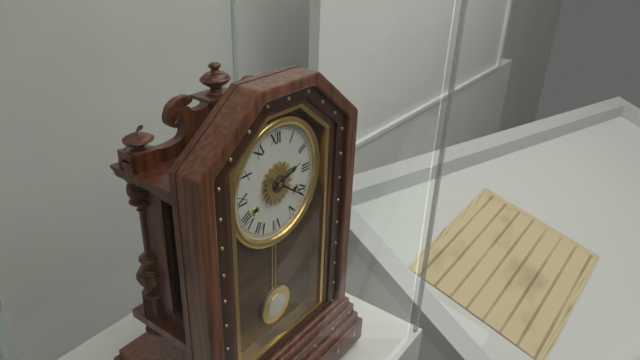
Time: **2:21**
